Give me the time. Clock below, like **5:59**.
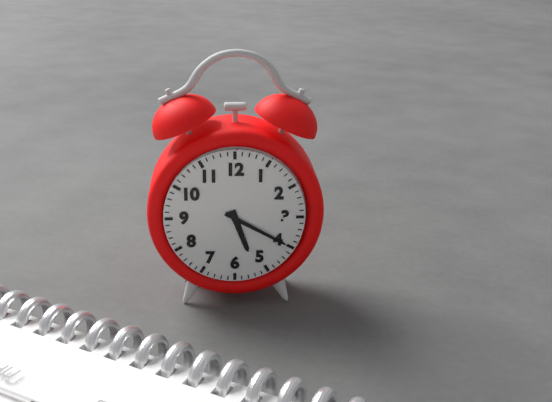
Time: **5:20**
